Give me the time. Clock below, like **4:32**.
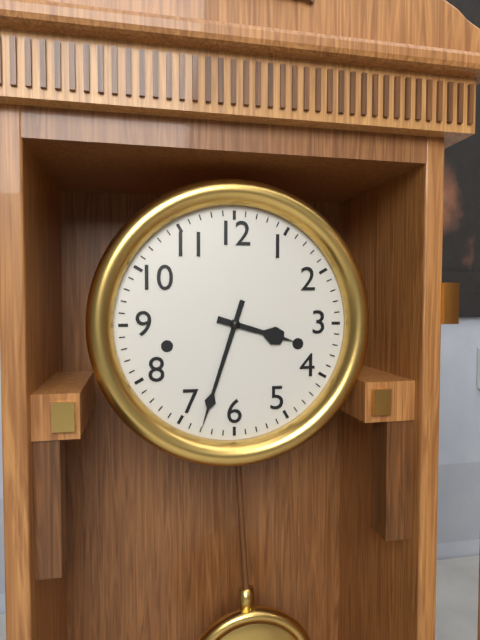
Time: **3:33**
